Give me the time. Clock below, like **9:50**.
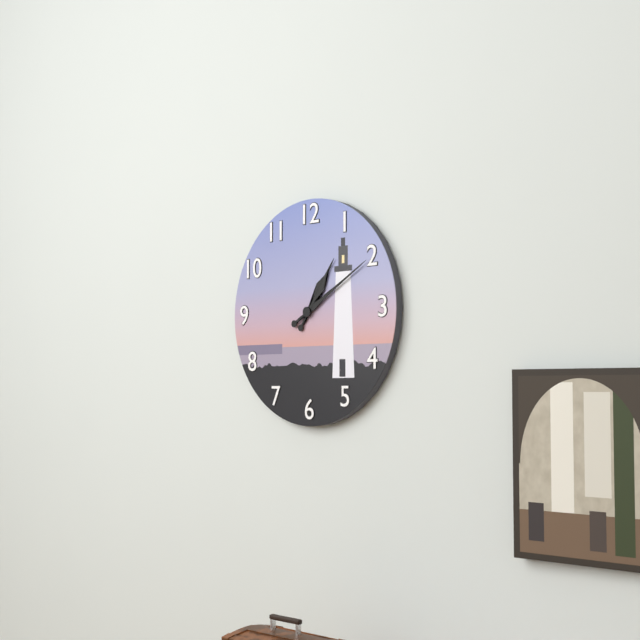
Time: **1:10**
